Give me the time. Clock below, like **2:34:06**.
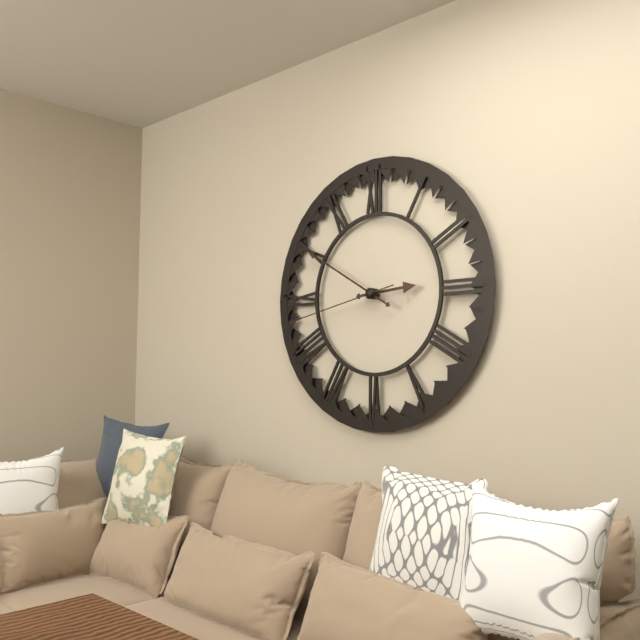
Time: **2:50:43**
